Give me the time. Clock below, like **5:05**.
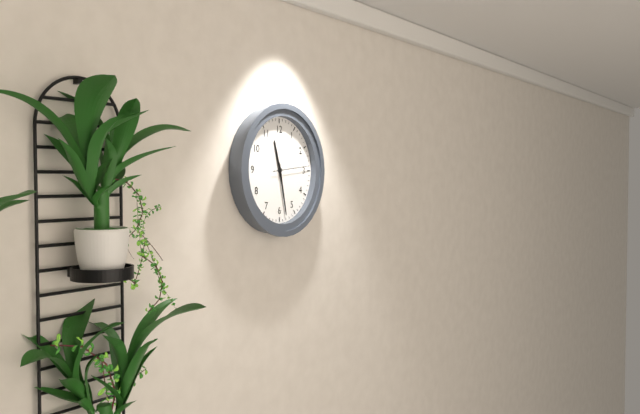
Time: **11:28**
